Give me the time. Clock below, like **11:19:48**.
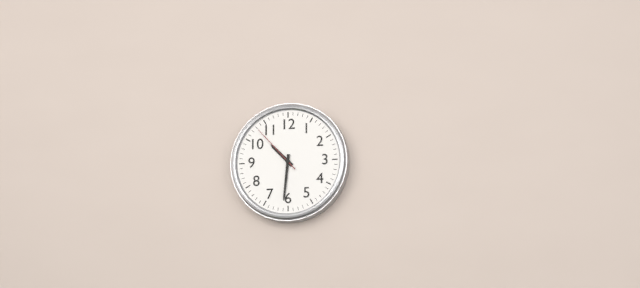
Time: **10:31:53**
